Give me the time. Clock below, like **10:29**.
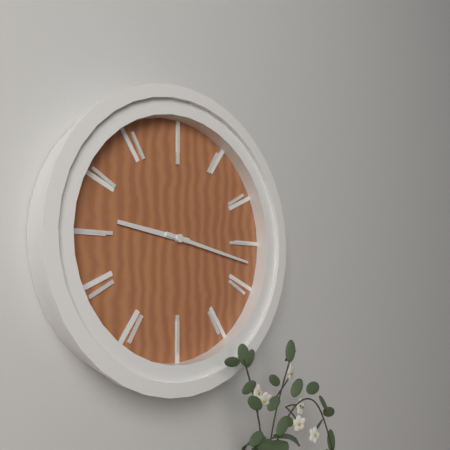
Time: **9:17**
